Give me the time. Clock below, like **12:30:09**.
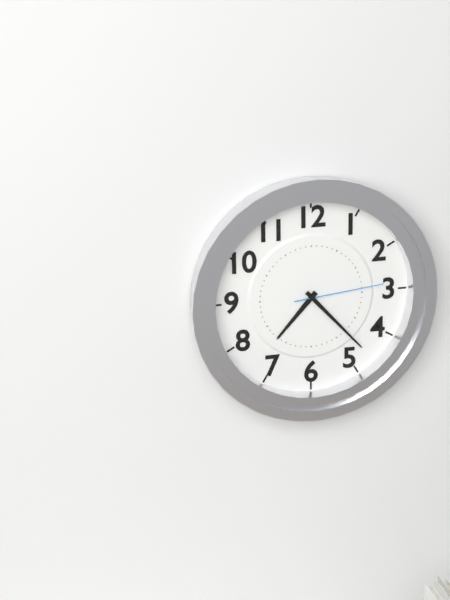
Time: **7:23:14**
